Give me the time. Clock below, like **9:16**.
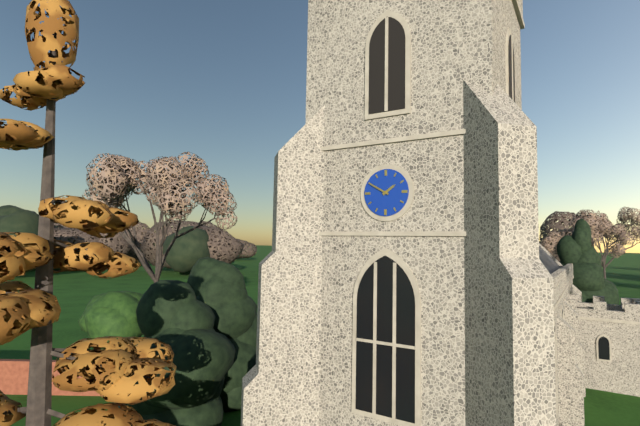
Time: **1:50**
